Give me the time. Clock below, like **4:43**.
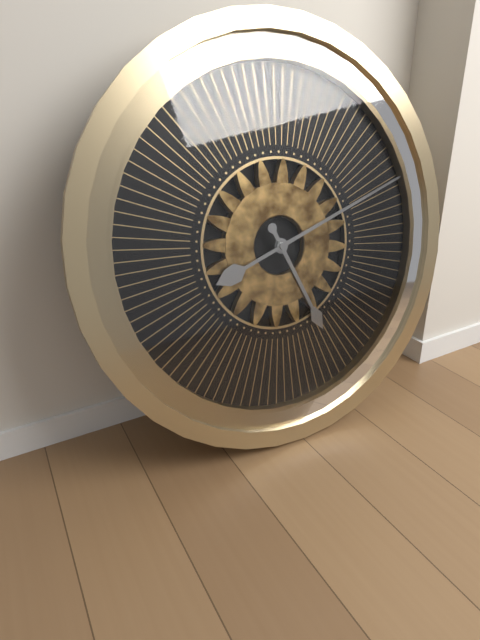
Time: **5:12**
